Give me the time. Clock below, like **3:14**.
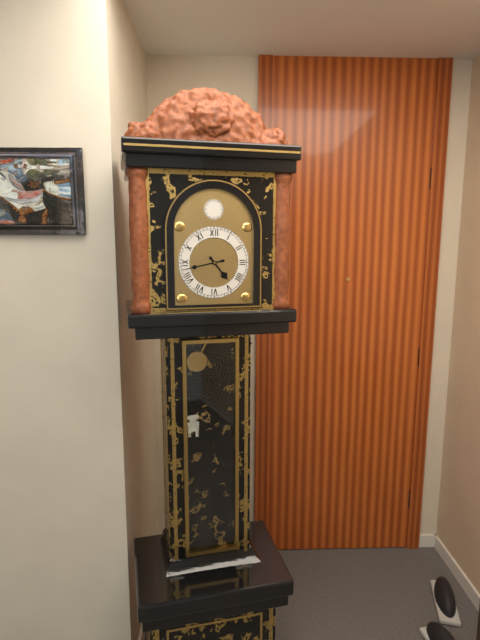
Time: **4:43**
